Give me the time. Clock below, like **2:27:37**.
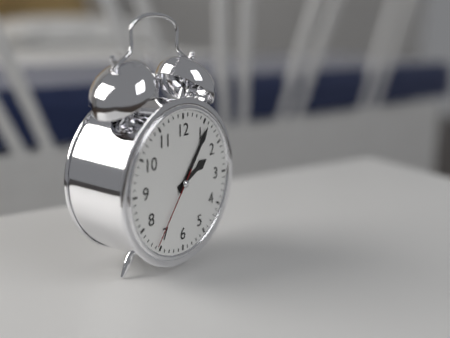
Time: **2:06:36**
